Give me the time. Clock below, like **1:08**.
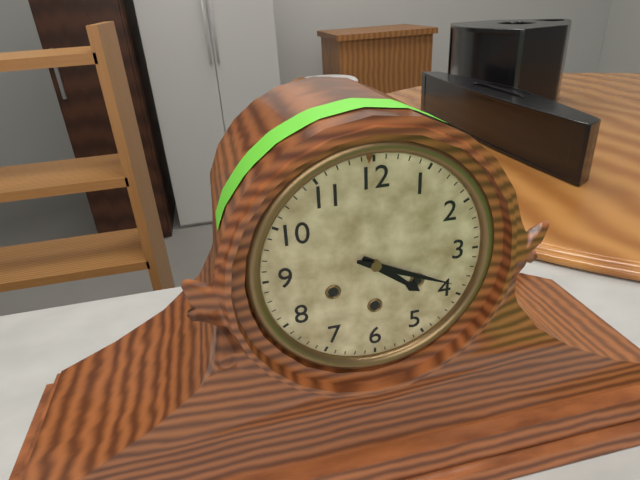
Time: **4:19**
